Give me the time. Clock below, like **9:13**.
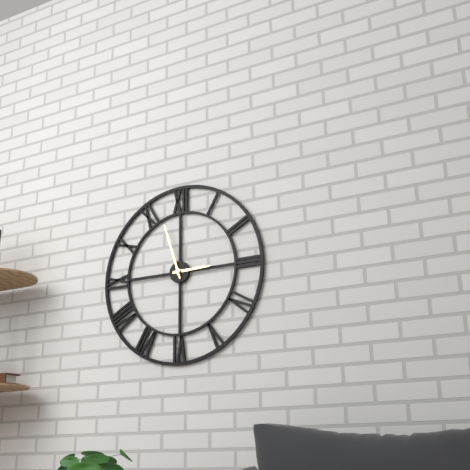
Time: **2:57**
